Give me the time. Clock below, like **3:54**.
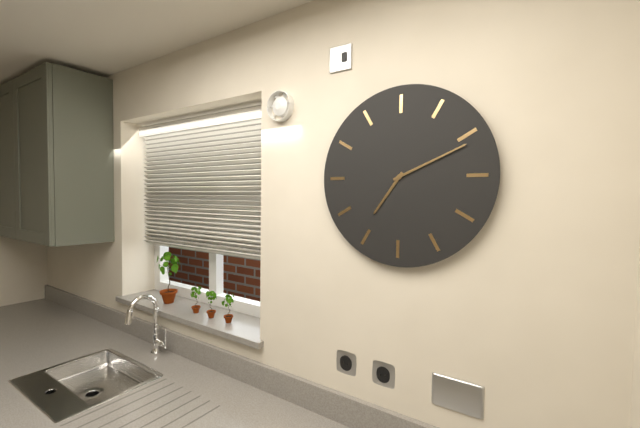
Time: **7:11**
